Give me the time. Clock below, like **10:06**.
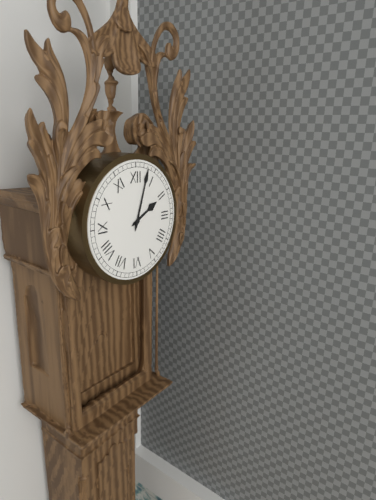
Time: **2:03**
